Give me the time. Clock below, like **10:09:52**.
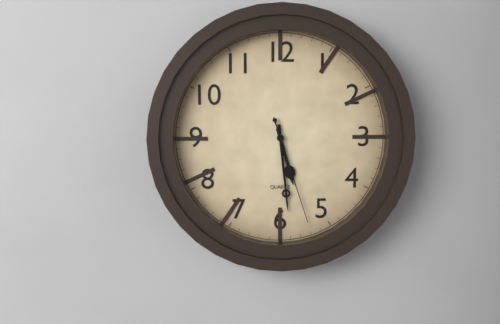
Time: **5:29:27**
